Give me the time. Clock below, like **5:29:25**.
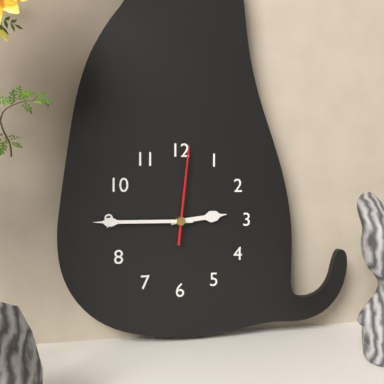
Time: **2:45:01**
